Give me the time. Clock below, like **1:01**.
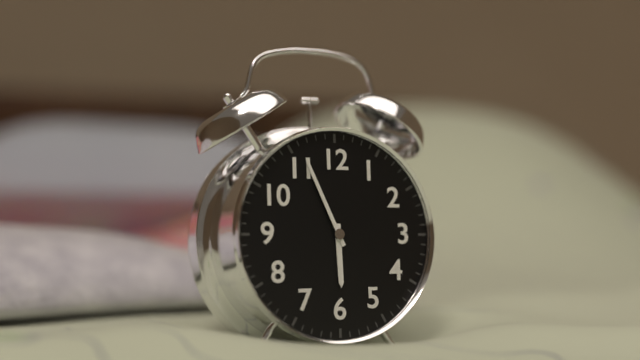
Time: **5:56**
